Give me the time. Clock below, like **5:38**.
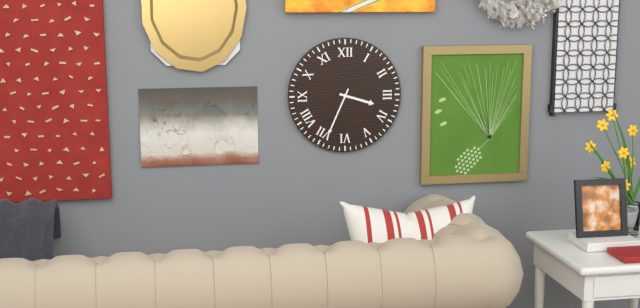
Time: **3:34**
